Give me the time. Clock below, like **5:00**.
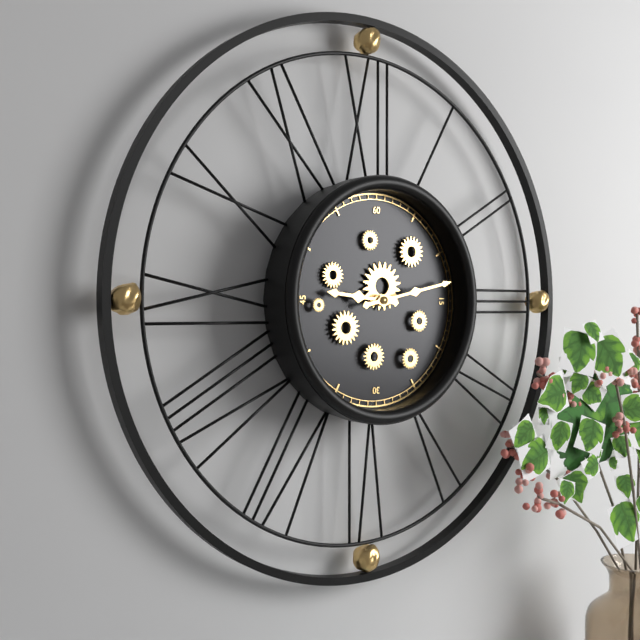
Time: **9:13**
